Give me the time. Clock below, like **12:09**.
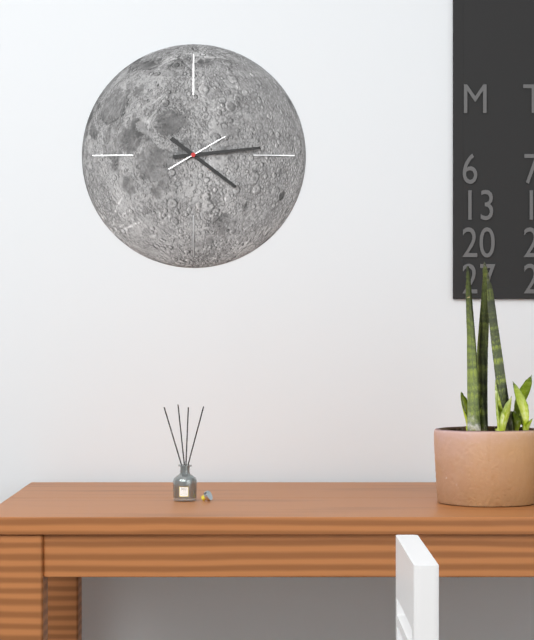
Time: **4:14**
